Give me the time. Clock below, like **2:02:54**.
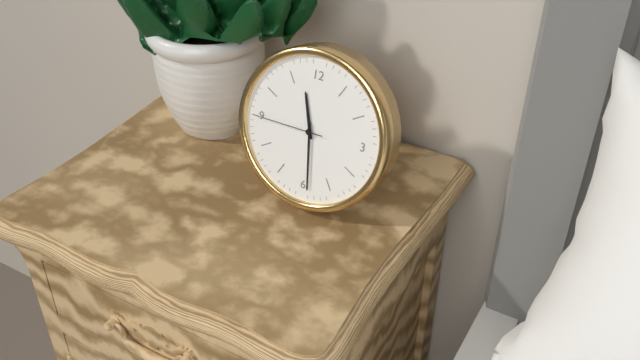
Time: **11:29:45**
